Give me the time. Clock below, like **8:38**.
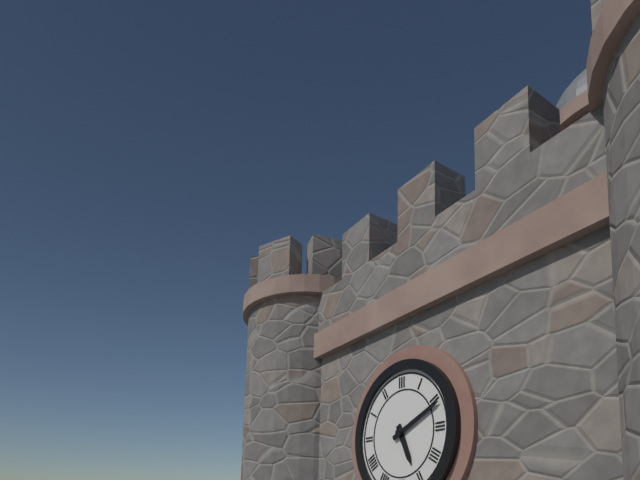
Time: **5:11**
